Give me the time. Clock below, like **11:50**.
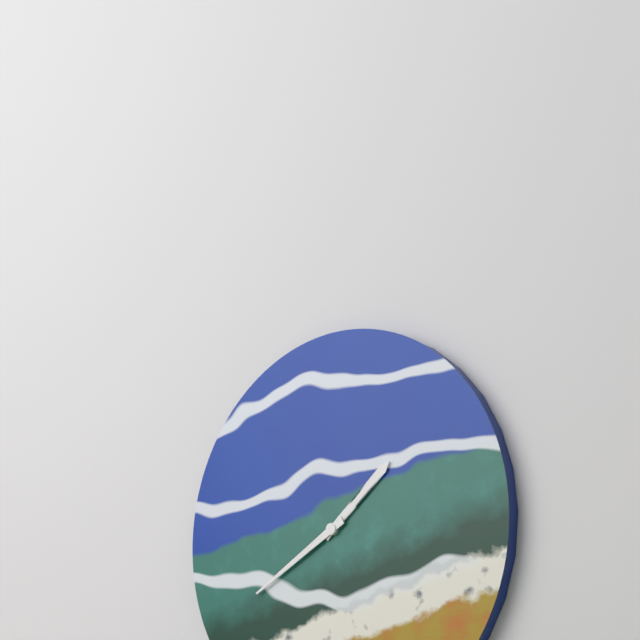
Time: **1:40**
